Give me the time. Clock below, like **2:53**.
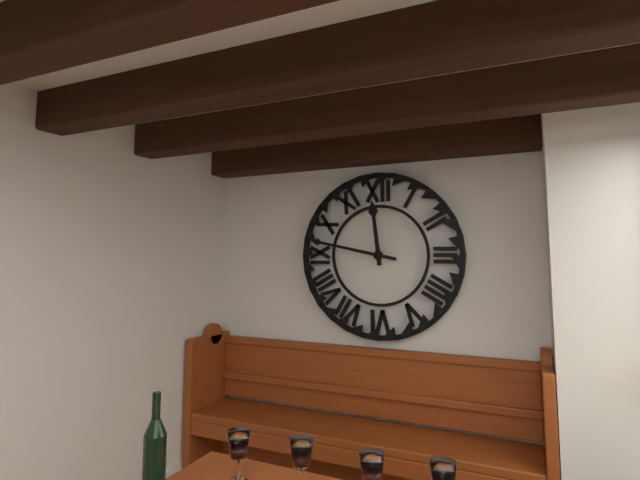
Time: **11:47**
